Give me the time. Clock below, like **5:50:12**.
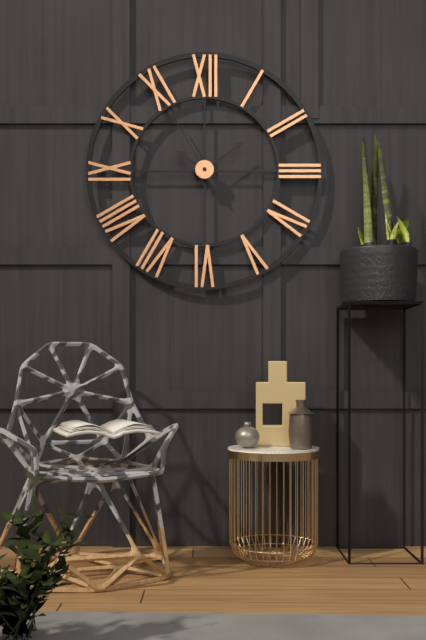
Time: **10:09:55**
